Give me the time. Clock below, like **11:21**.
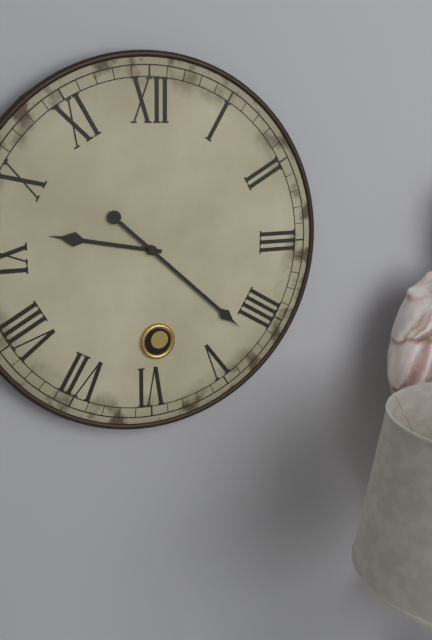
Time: **9:22**
